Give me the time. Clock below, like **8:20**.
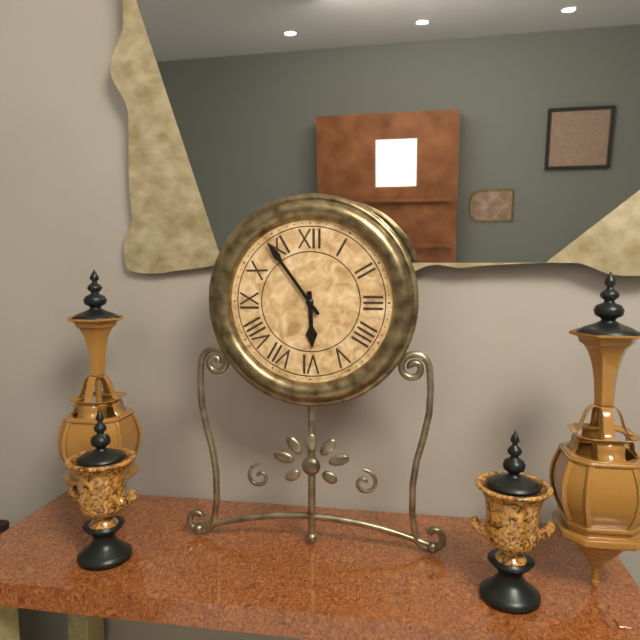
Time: **5:54**
